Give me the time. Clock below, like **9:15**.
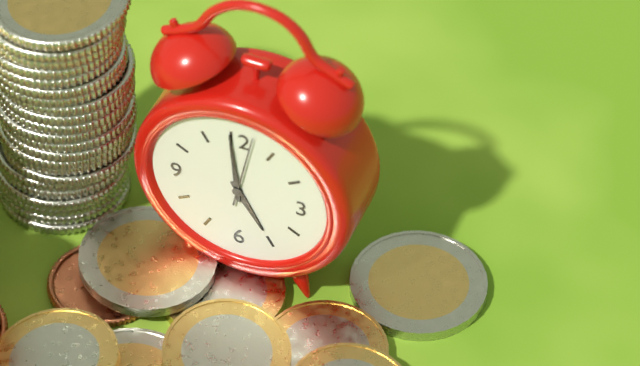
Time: **4:59**
